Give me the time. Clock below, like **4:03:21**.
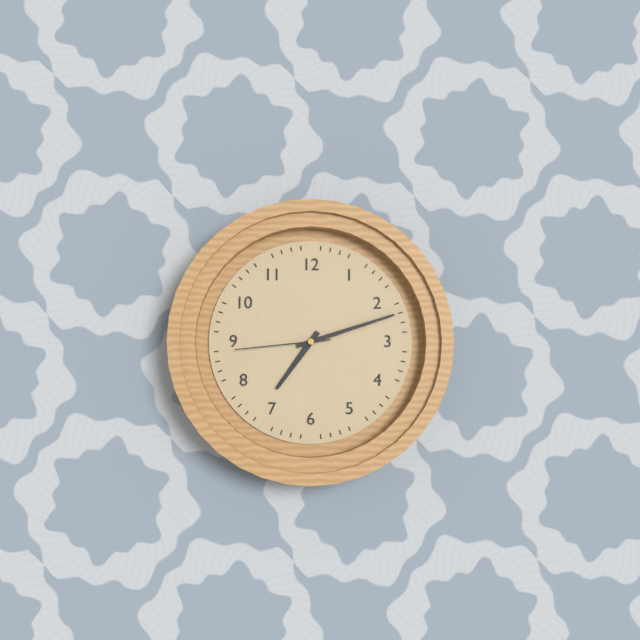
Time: **7:12:44**
